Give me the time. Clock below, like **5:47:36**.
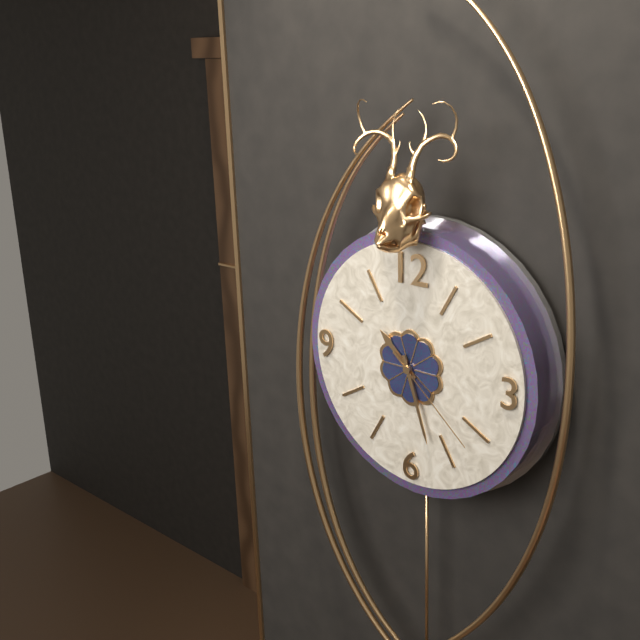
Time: **10:27:22**
